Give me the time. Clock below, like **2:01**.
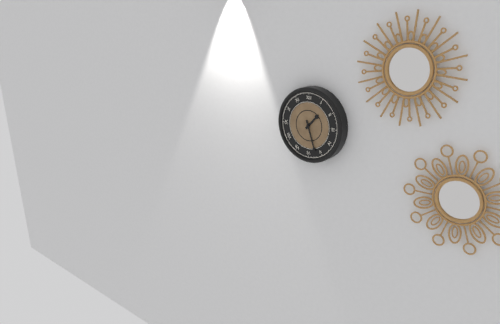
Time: **1:27**
